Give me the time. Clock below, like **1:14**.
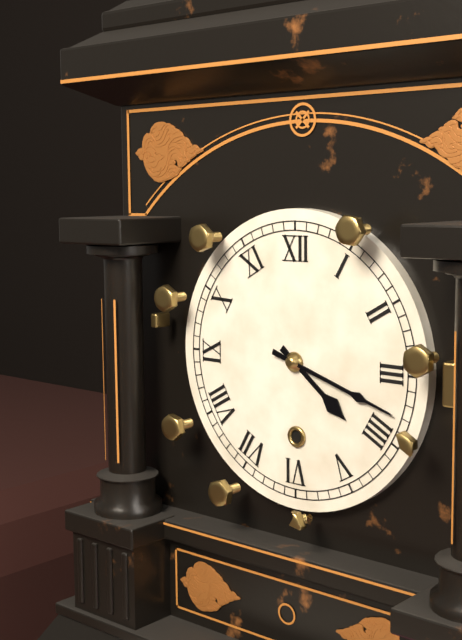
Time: **4:18**
